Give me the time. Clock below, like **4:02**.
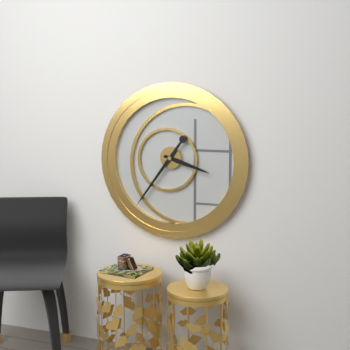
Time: **3:36**
